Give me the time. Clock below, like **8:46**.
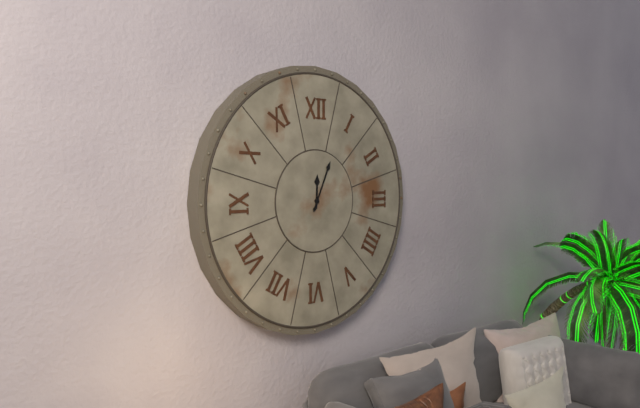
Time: **12:04**
